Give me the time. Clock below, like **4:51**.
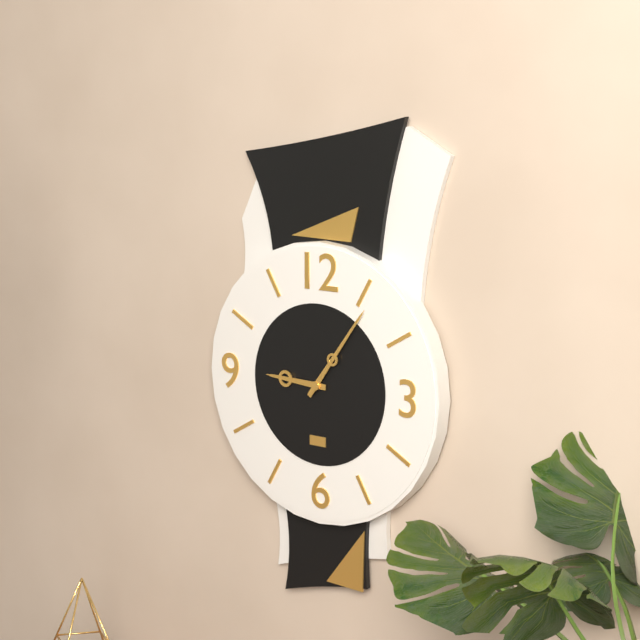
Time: **9:06**
